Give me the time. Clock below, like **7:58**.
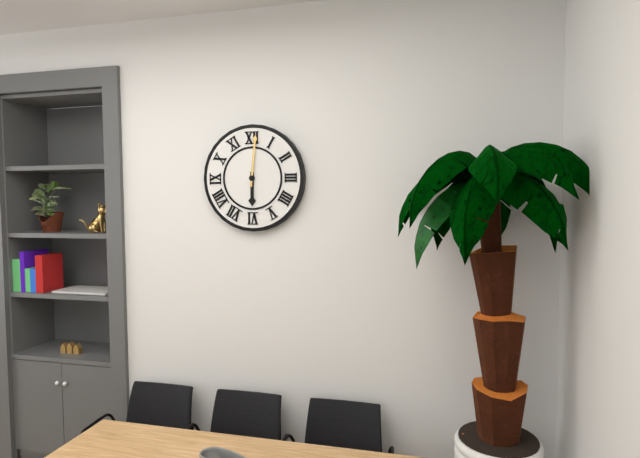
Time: **6:01**
